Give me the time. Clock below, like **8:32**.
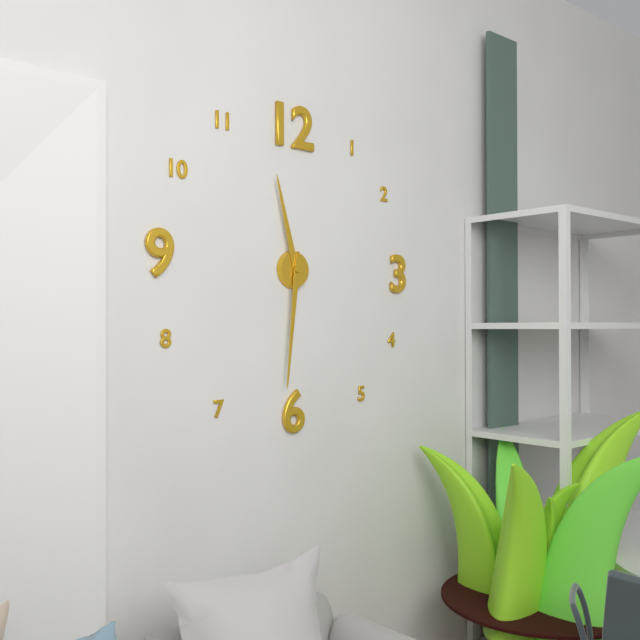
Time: **11:31**
